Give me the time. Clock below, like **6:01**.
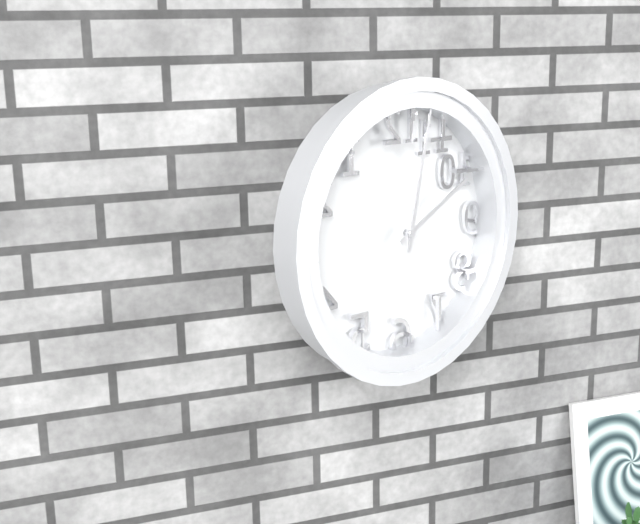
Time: **2:02**
